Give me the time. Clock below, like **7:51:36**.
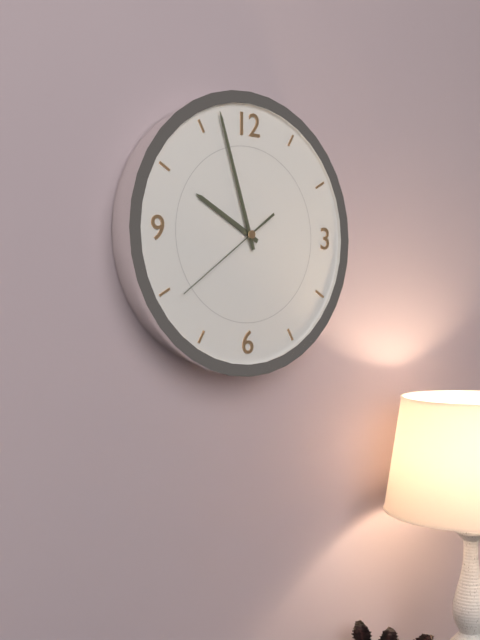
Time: **9:57:39**
